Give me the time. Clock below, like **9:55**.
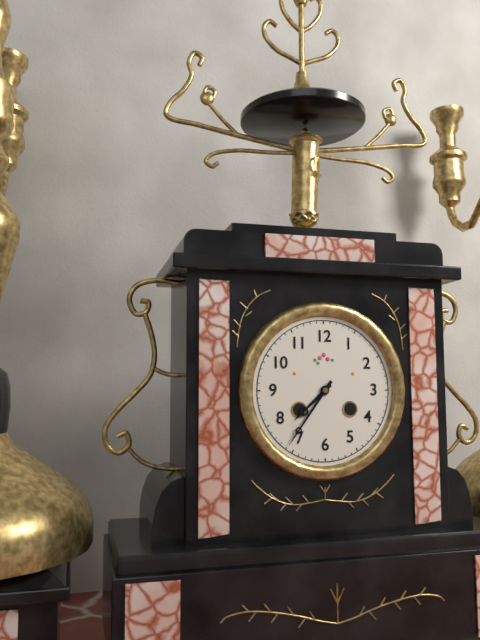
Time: **7:36**
